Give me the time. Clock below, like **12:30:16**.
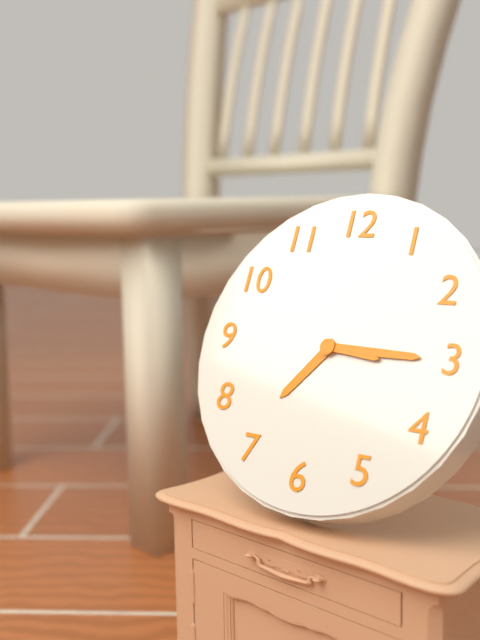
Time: **7:15:16**
